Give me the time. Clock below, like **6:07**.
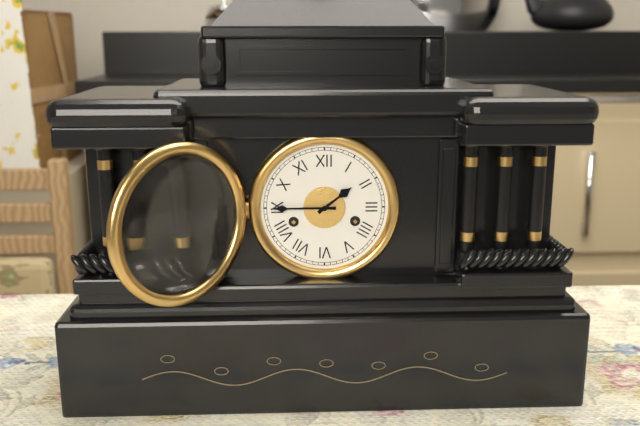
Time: **1:45**
